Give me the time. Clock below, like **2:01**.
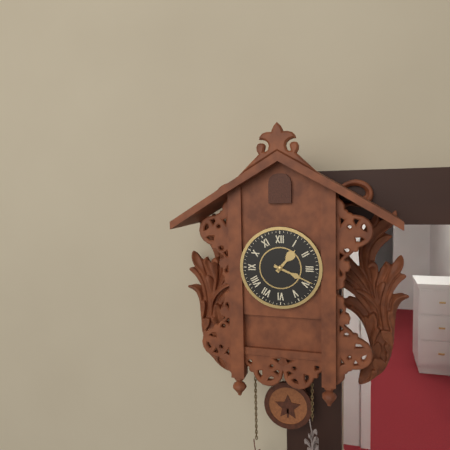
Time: **1:19**
